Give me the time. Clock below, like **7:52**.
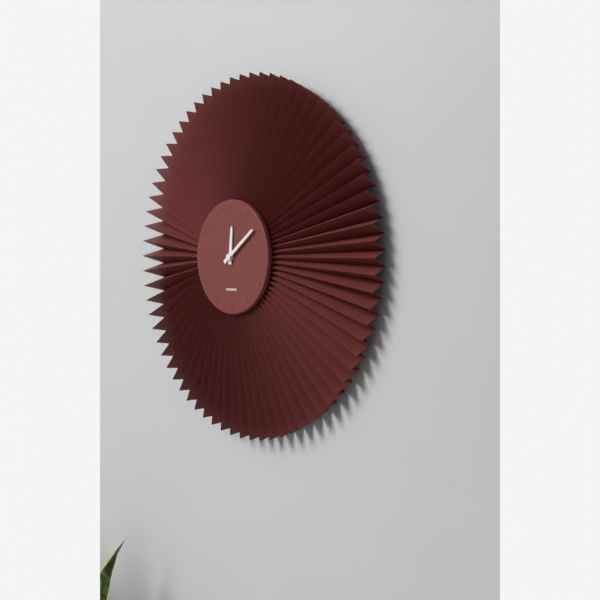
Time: **12:09**
